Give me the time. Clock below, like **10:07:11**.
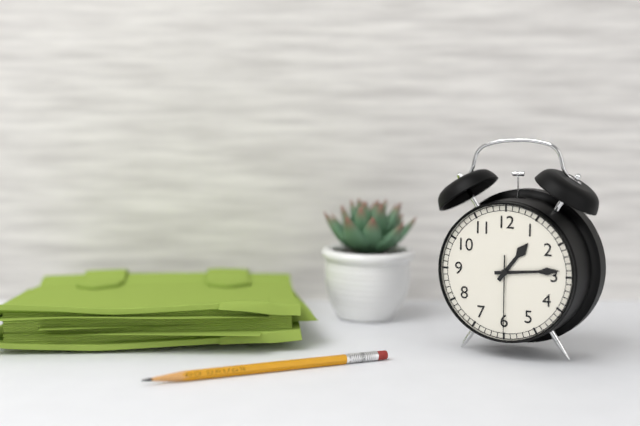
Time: **1:14:30**
